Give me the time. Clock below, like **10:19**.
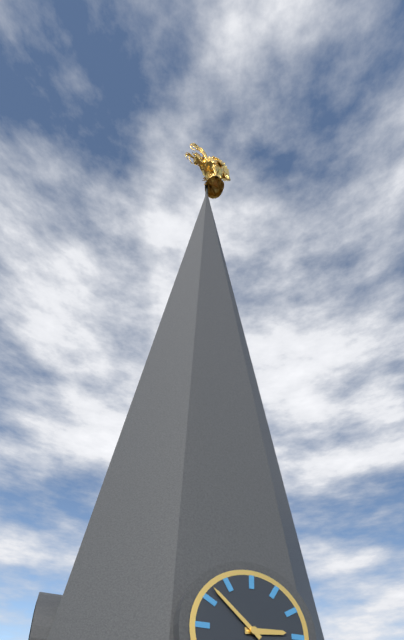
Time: **2:52**
